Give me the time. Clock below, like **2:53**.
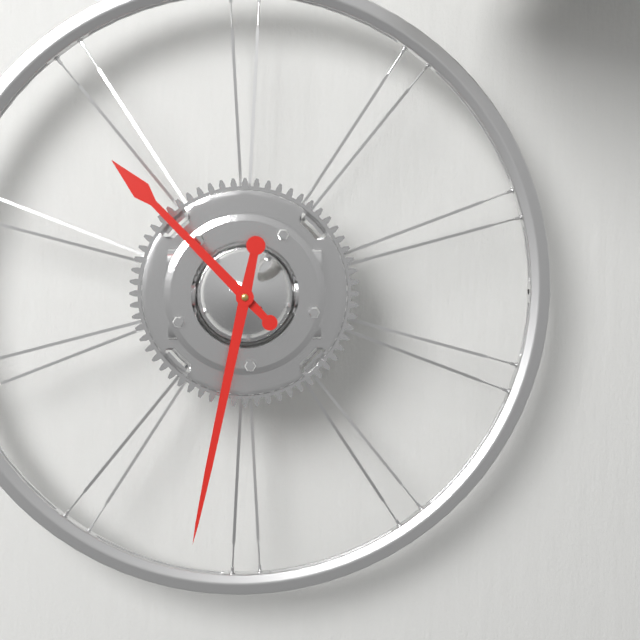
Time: **10:32**
